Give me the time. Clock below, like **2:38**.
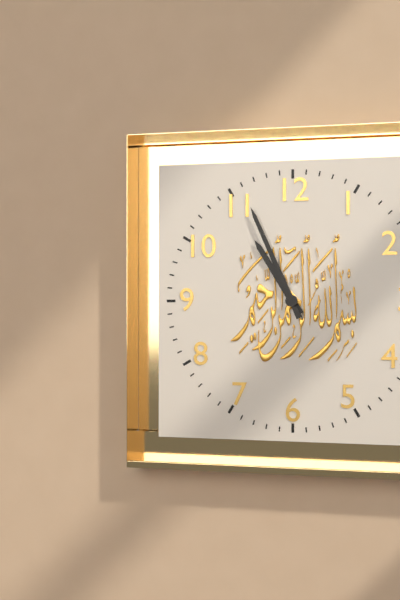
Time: **10:56**
